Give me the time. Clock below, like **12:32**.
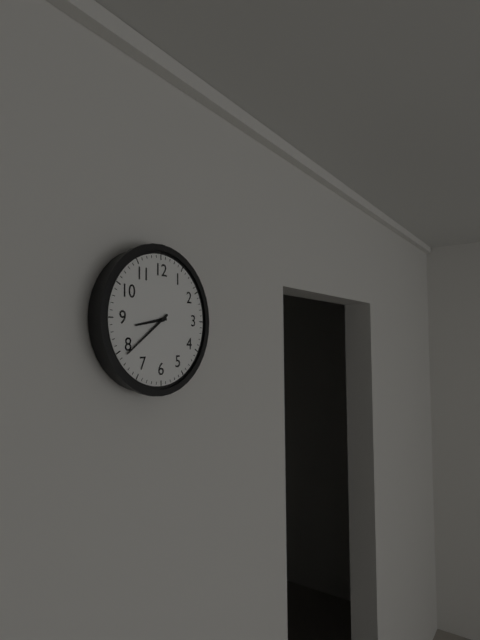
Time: **8:39**
